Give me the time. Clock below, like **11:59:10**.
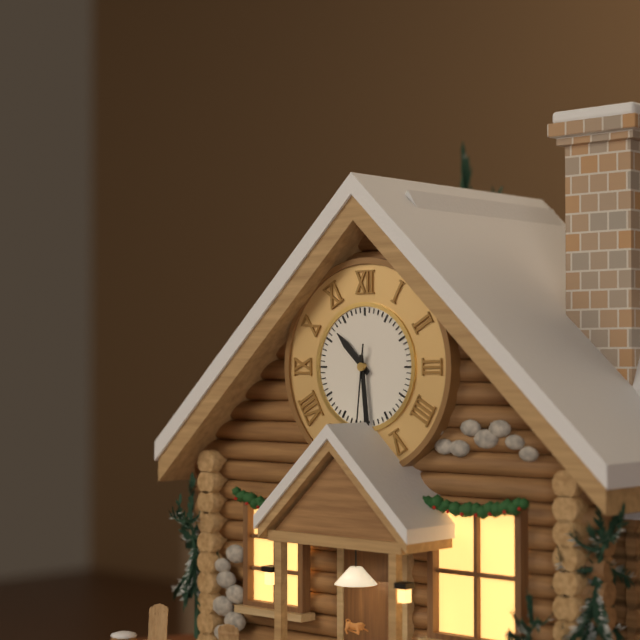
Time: **10:29:31**
